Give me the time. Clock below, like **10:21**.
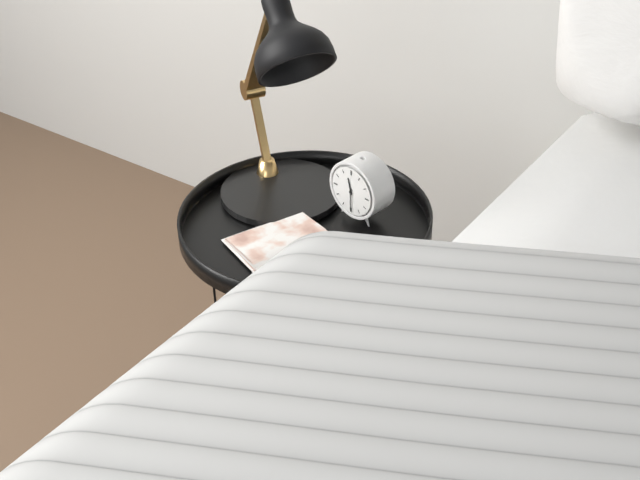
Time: **11:30**
